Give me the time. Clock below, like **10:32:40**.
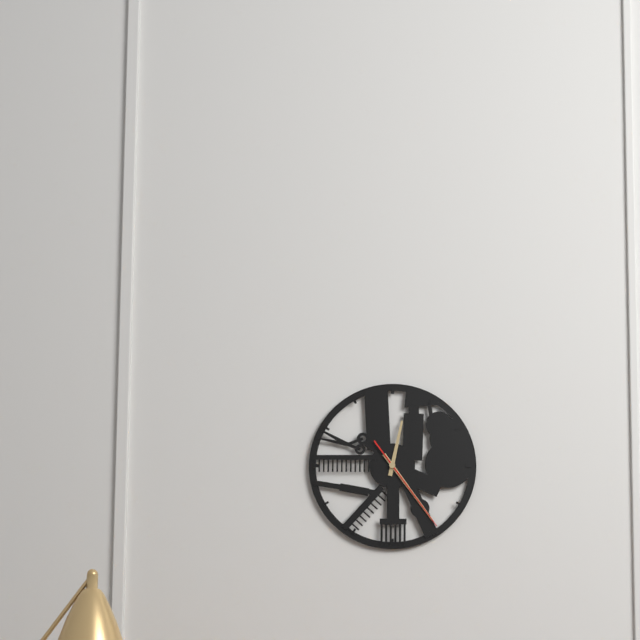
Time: **12:24:24**
